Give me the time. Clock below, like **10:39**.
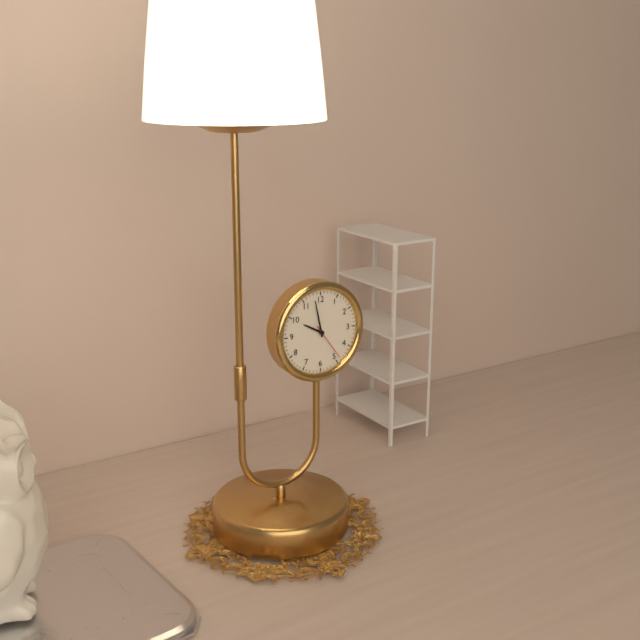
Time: **9:58**
